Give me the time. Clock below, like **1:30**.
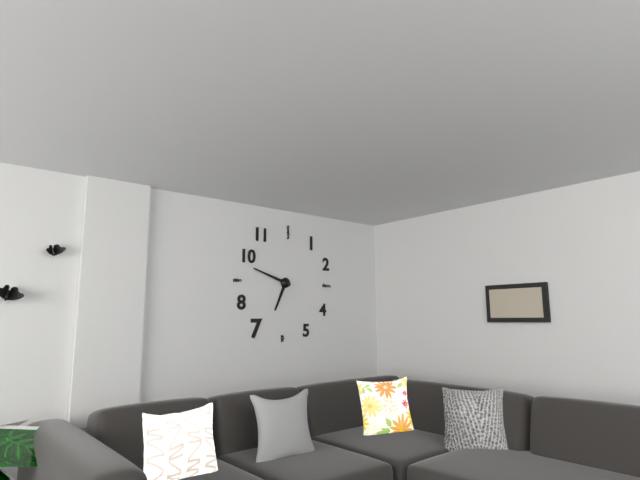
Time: **6:48**
